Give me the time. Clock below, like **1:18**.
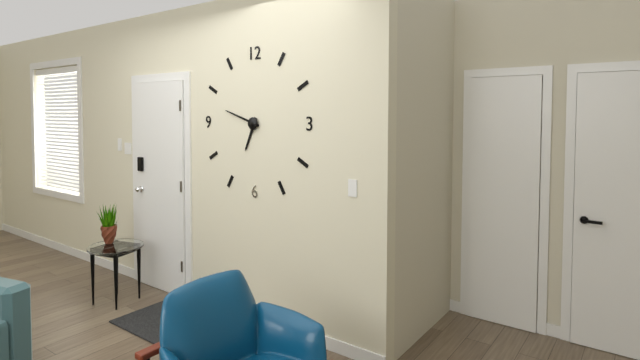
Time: **6:48**
